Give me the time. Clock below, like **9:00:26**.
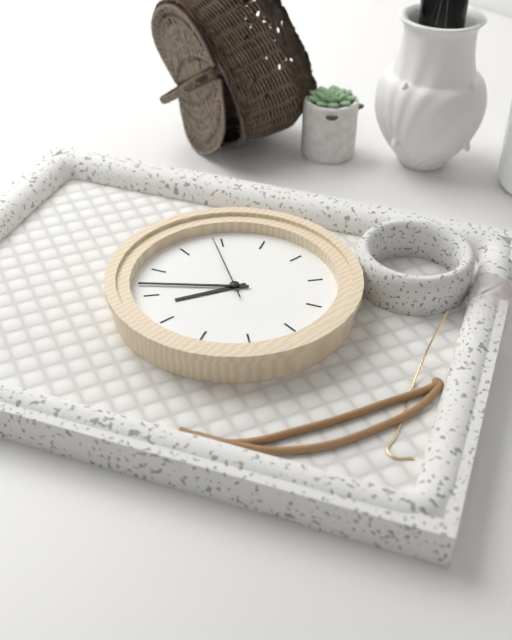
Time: **6:37:49**
